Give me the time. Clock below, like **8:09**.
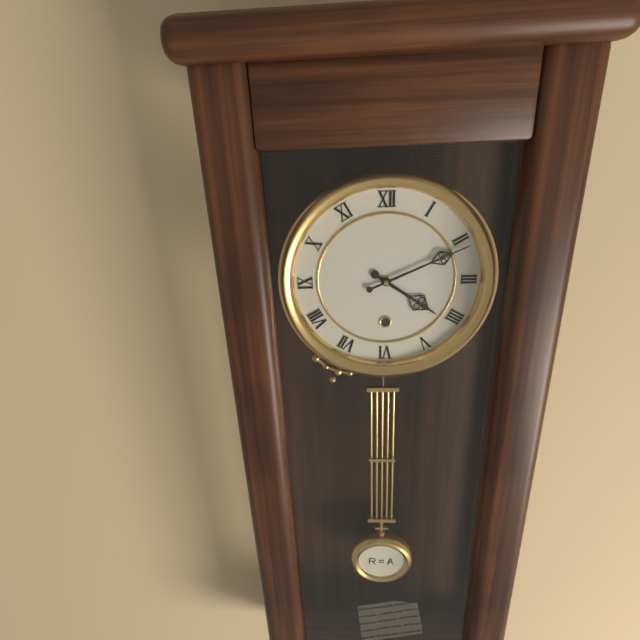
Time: **4:11**
